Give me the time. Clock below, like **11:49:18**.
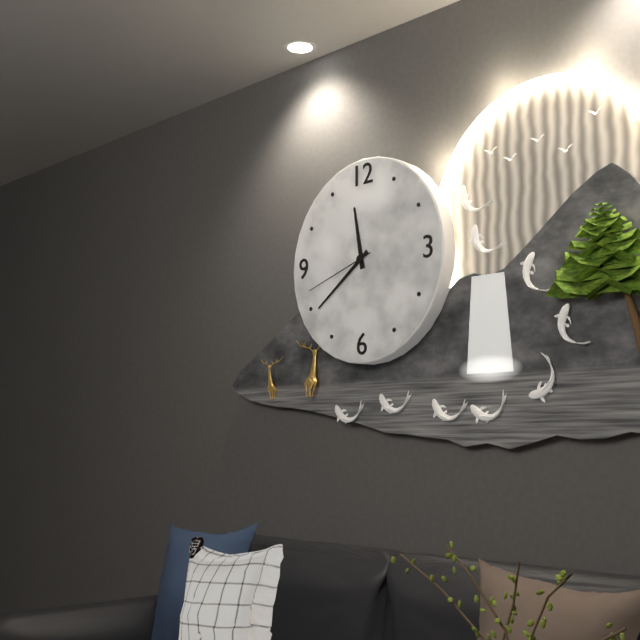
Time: **11:39:42**
